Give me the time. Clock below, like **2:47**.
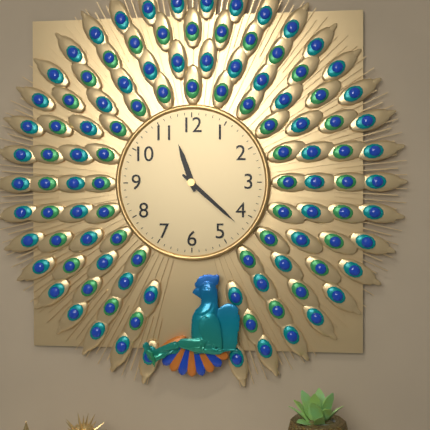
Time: **11:22**
